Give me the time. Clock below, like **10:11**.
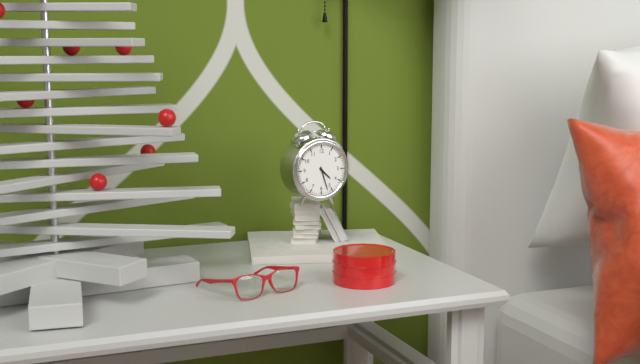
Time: **4:27**
